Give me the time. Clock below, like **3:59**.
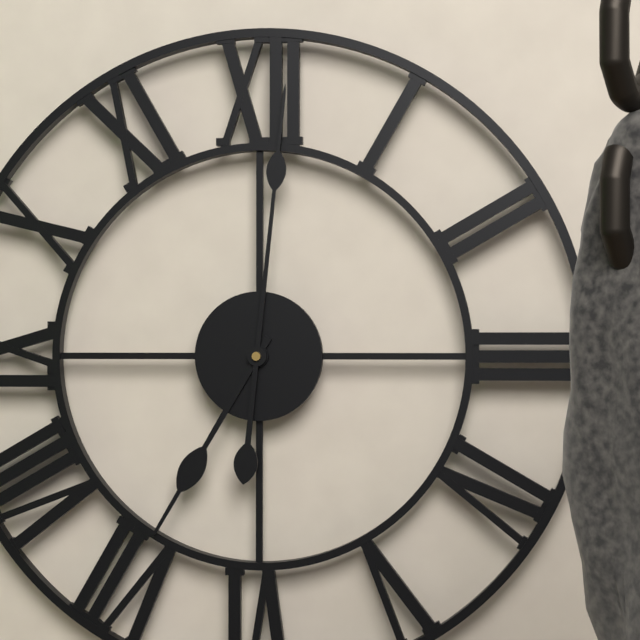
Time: **7:01**
